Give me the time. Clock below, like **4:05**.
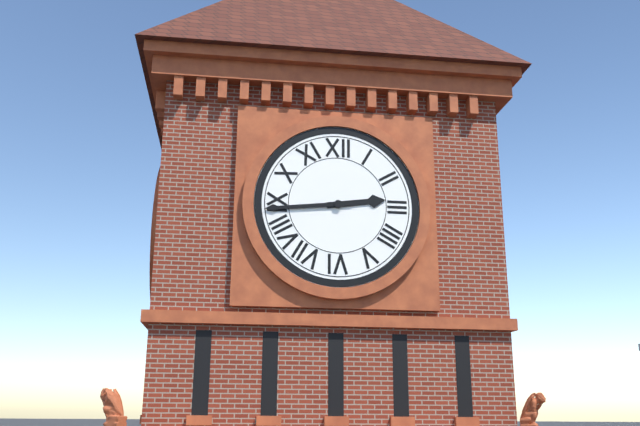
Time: **2:44**
